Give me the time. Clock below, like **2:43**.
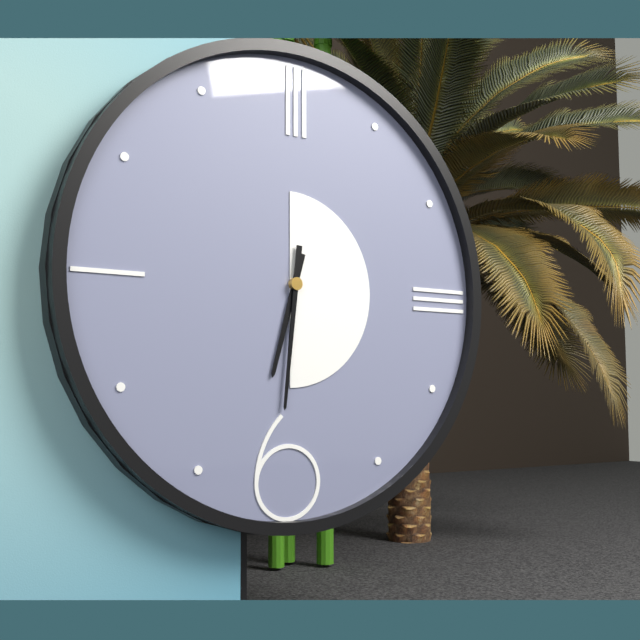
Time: **6:31**
